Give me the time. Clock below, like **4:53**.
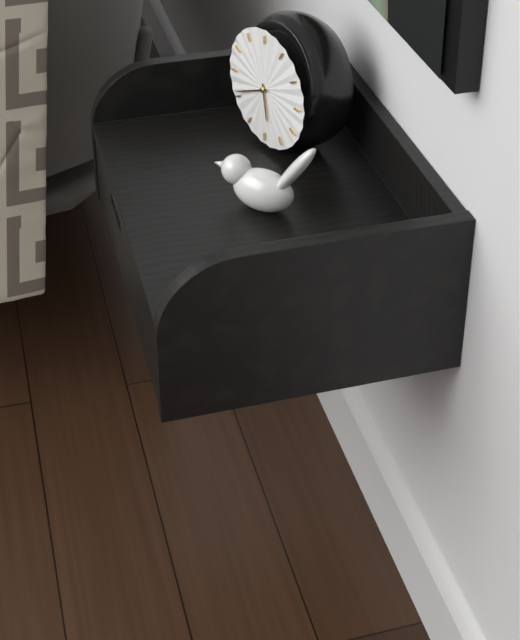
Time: **5:41**
